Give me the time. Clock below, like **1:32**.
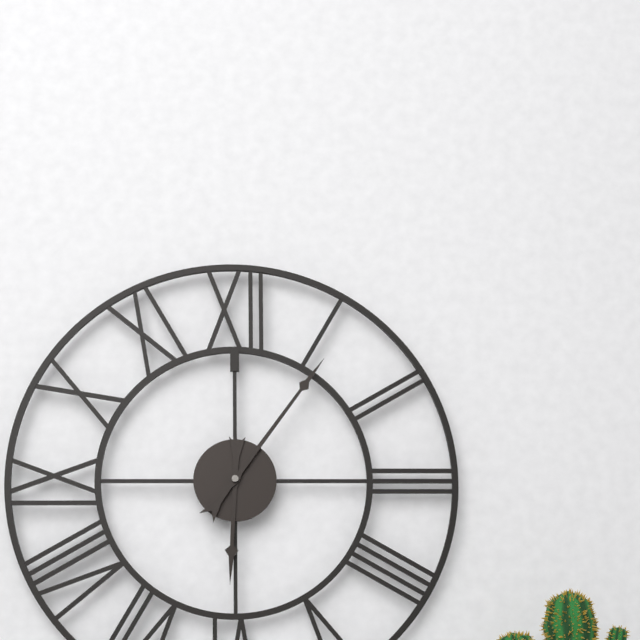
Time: **6:06**
